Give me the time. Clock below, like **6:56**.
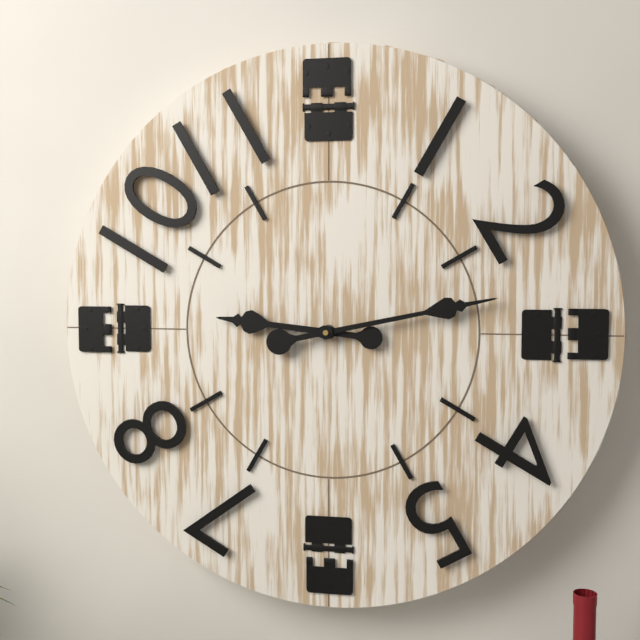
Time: **9:13**
